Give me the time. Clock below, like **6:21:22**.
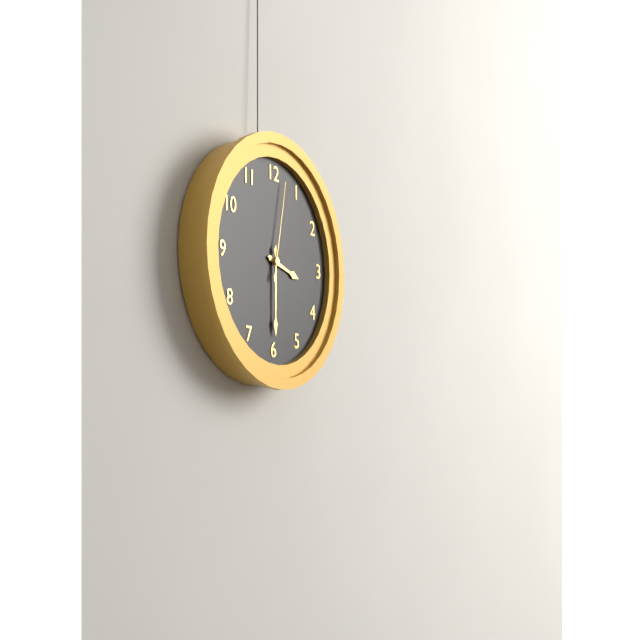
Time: **3:30:02**
